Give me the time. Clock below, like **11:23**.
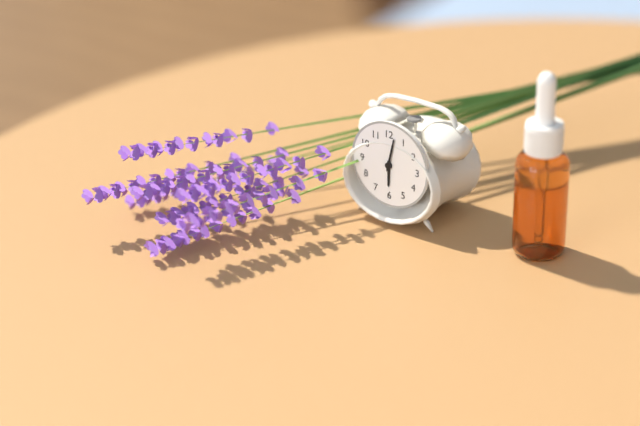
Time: **6:02**
